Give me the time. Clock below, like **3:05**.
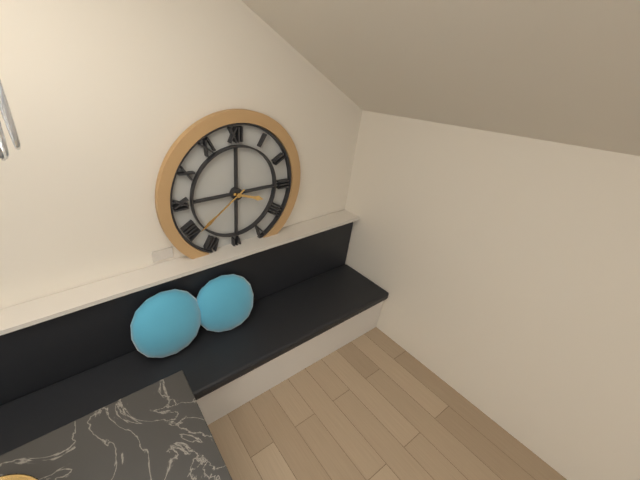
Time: **3:39**
